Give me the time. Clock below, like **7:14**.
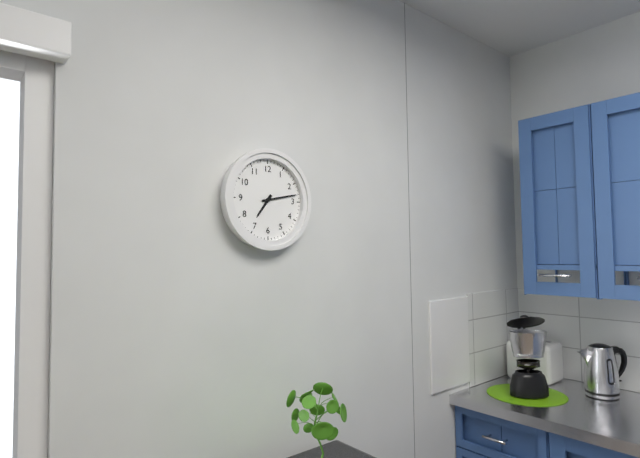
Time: **7:13**
